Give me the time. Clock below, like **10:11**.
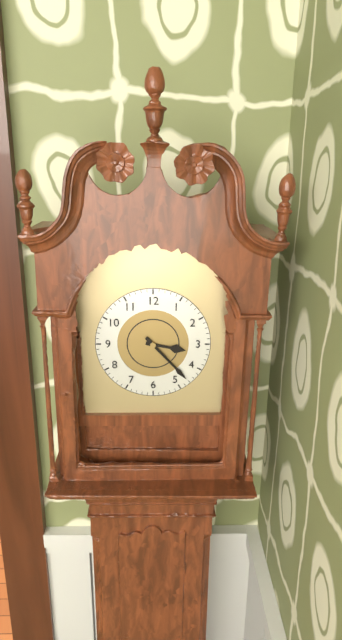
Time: **3:23**
